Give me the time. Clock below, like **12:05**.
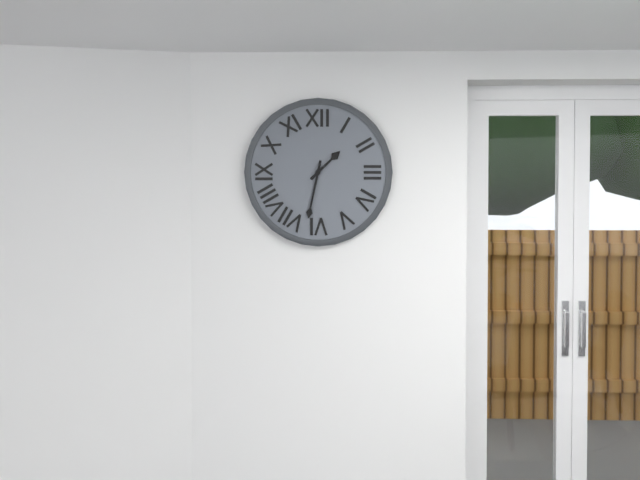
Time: **1:32**
